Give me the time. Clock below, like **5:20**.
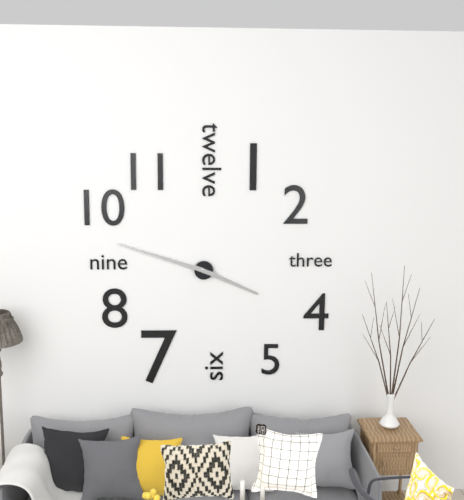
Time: **3:48**
